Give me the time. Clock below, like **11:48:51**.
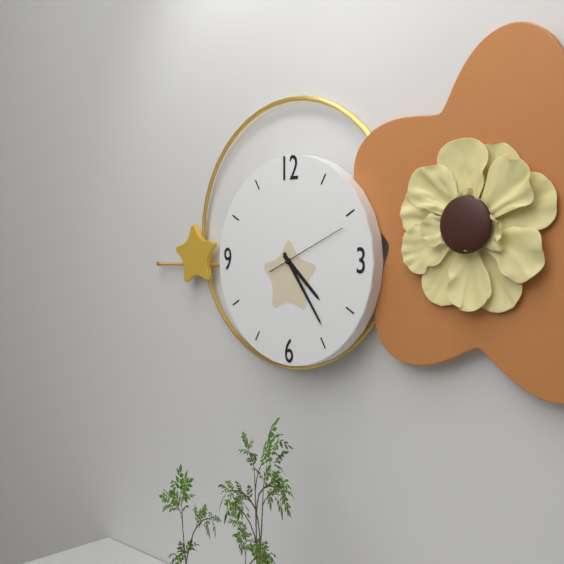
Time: **4:24:11**
